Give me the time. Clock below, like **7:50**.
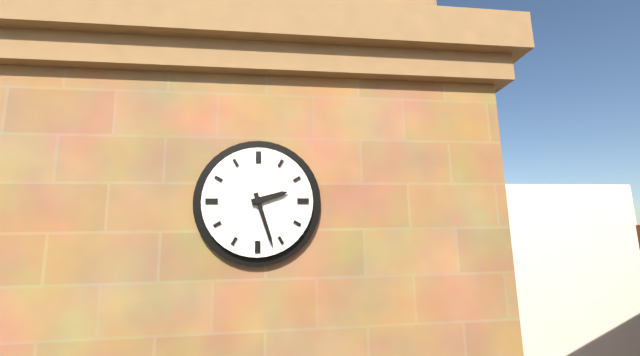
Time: **2:27**
